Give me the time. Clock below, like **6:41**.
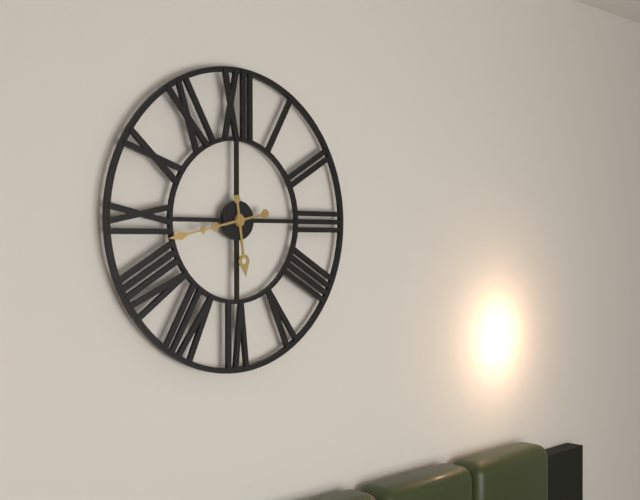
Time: **5:43**
